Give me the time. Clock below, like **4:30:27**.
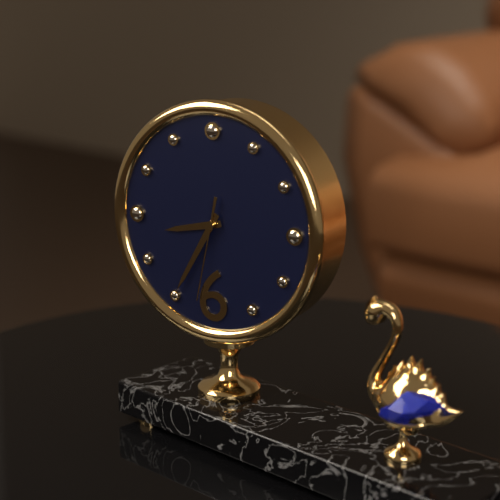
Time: **8:35:32**
